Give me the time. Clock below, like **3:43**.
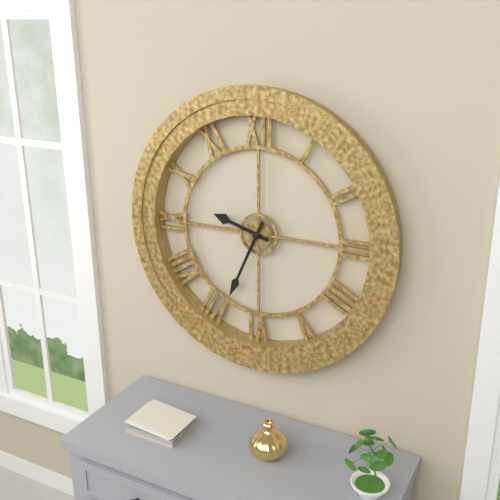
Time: **9:34**
